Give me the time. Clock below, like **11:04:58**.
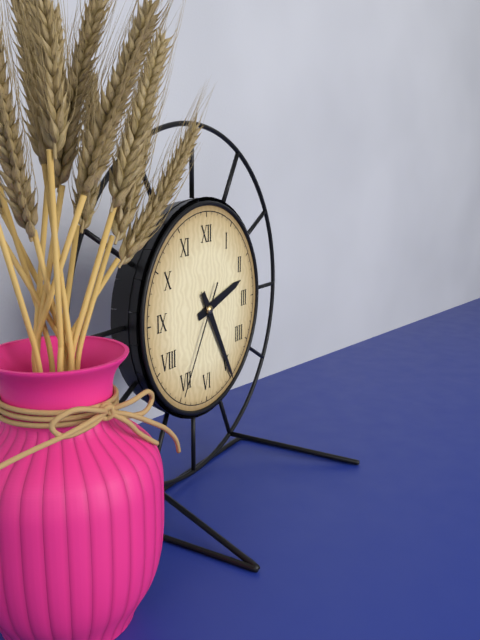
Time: **2:25:35**
